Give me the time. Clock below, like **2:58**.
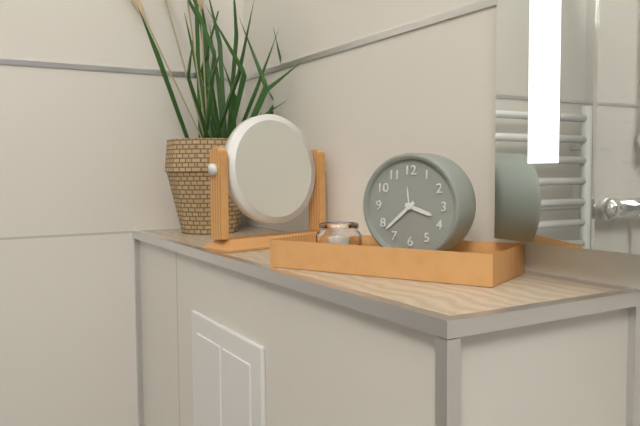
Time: **3:38**
